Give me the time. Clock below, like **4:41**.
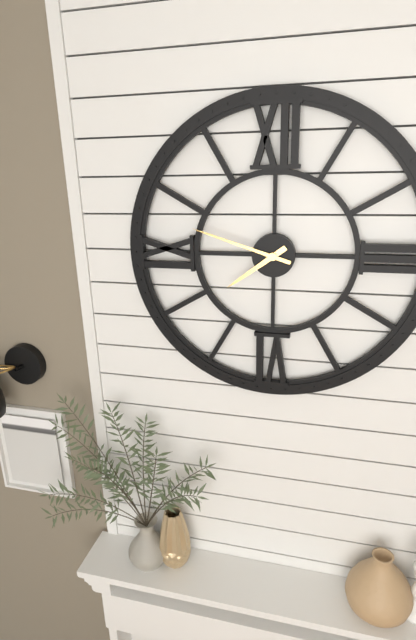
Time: **7:48**
